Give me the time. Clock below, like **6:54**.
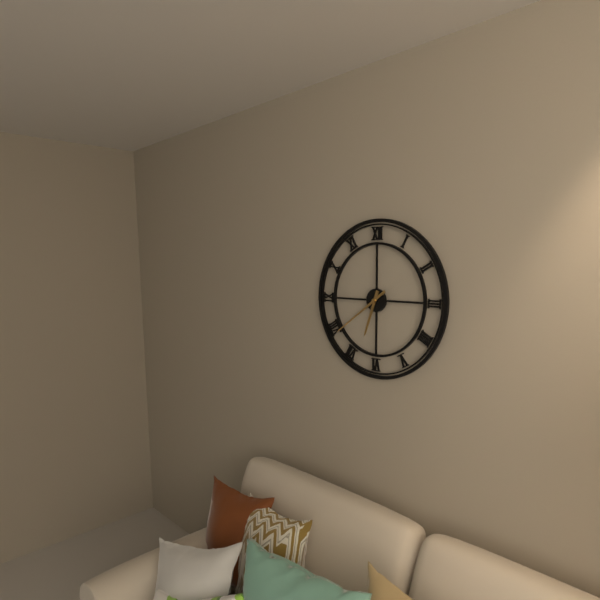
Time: **6:39**
